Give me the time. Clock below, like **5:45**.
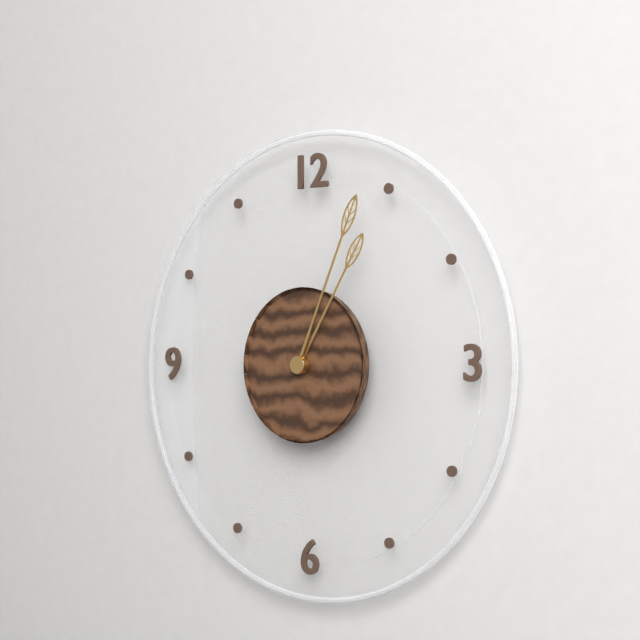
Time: **1:04**
